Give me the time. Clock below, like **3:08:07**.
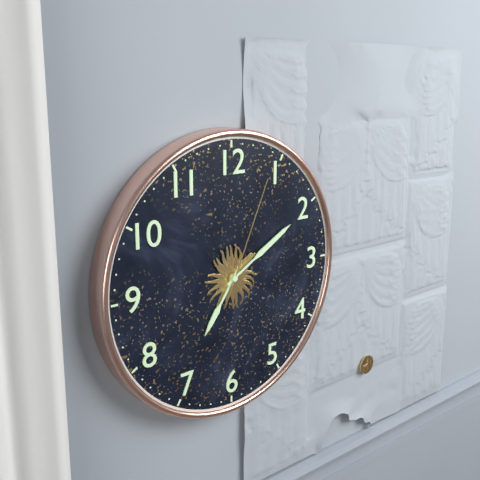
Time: **7:10:04**
